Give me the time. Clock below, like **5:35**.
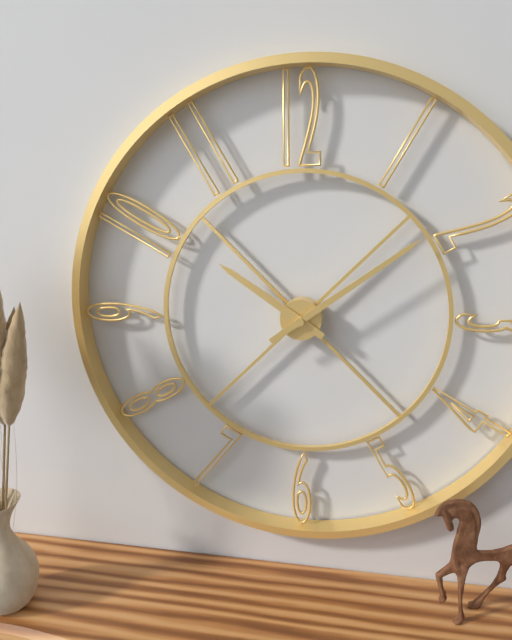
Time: **10:09**
